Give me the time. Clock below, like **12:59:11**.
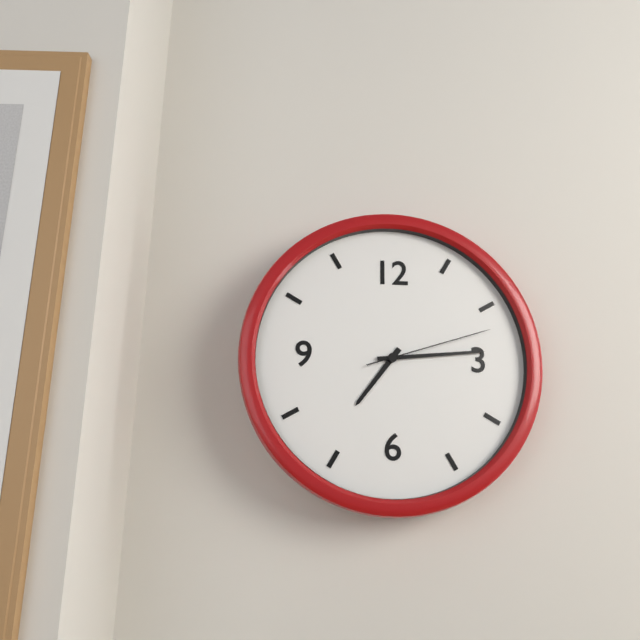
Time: **7:14:12**
